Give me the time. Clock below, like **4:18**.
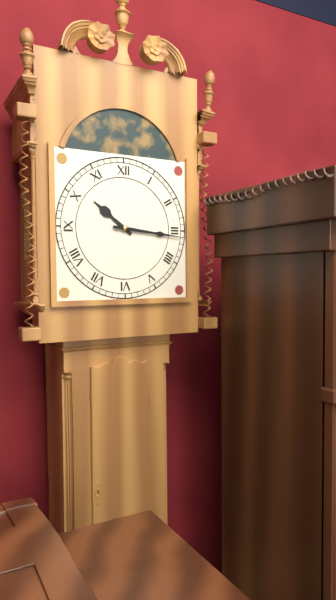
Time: **10:16**
